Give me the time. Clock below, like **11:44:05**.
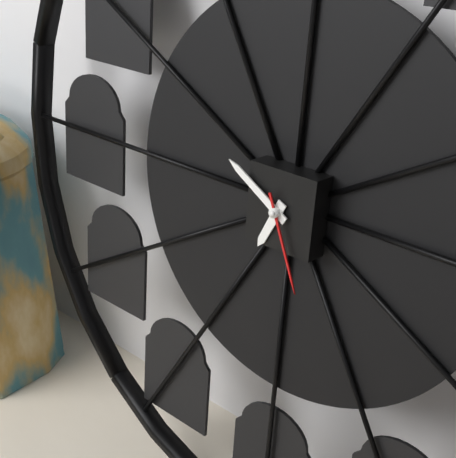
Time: **6:50:26**
